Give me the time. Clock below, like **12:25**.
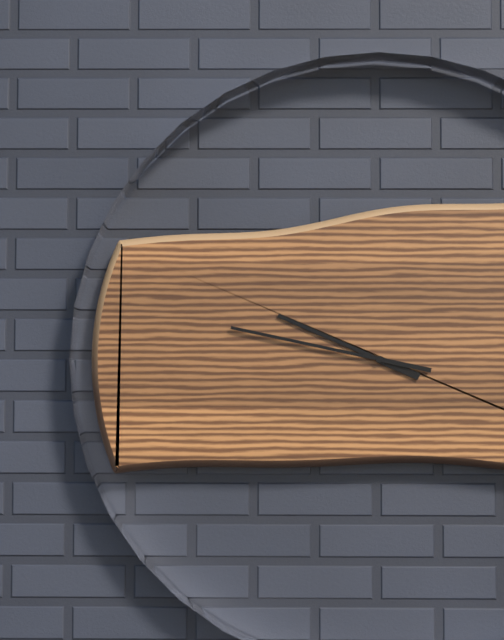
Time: **9:47**
